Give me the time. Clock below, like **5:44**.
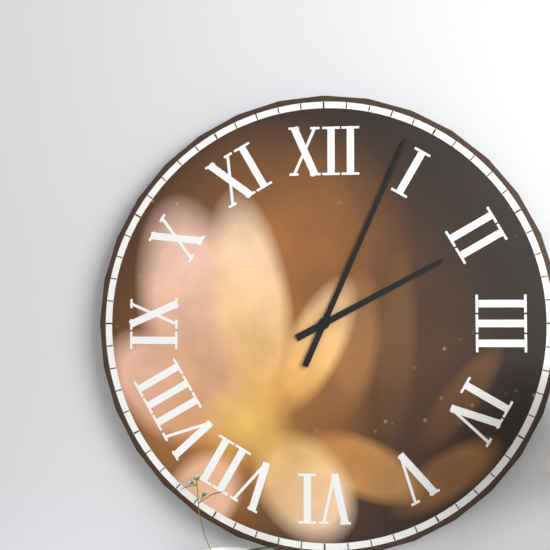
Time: **2:04**
